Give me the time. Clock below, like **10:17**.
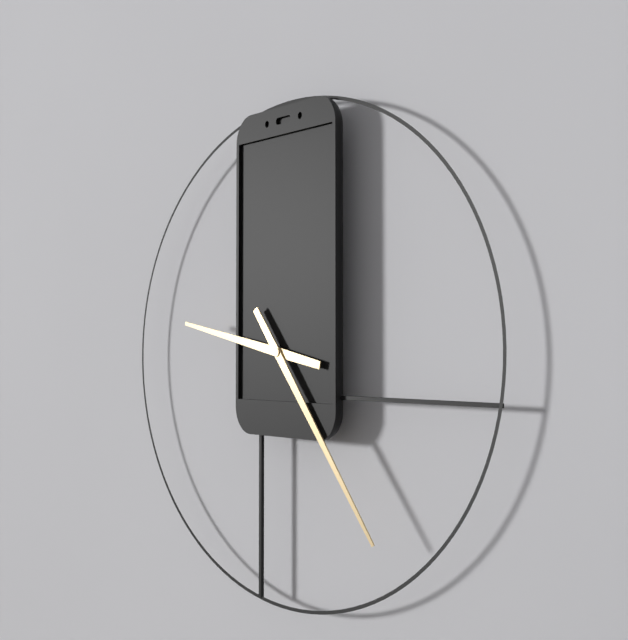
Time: **9:24**
